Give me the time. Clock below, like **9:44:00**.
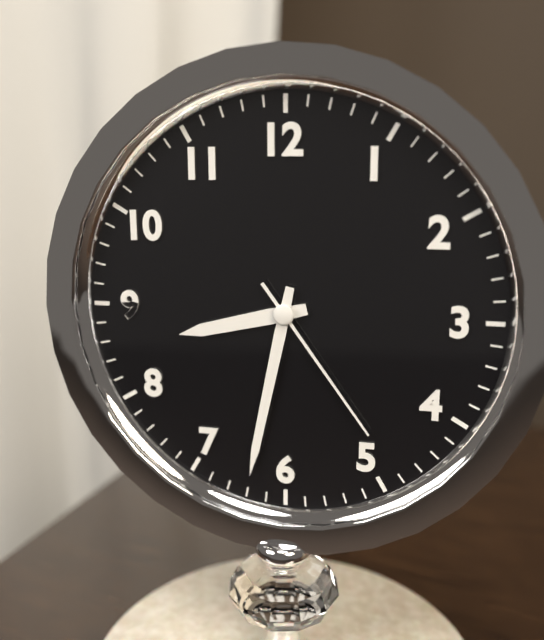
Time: **8:32:24**
